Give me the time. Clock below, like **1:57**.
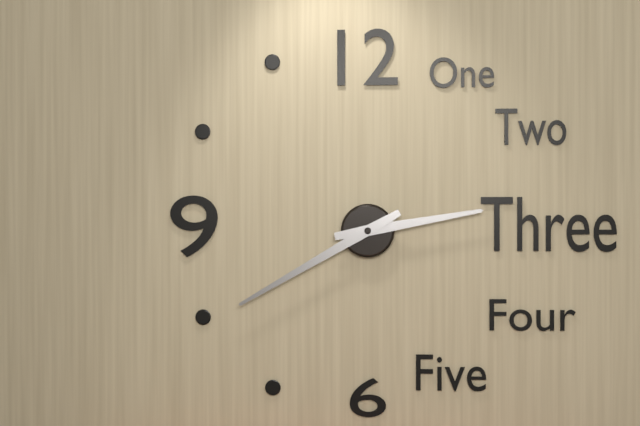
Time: **2:40**
